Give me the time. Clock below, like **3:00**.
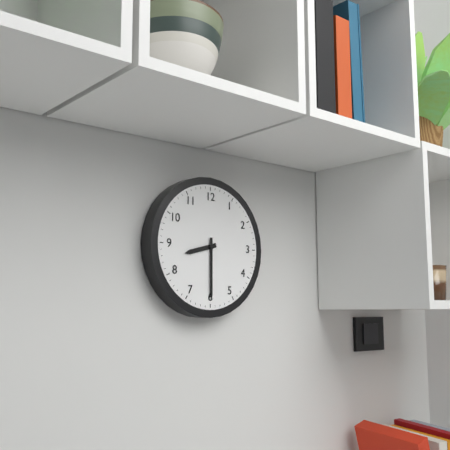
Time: **8:30**
